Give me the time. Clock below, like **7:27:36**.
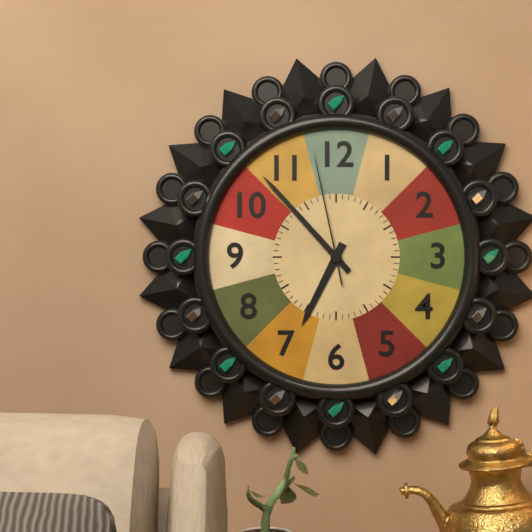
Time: **6:53:58**
